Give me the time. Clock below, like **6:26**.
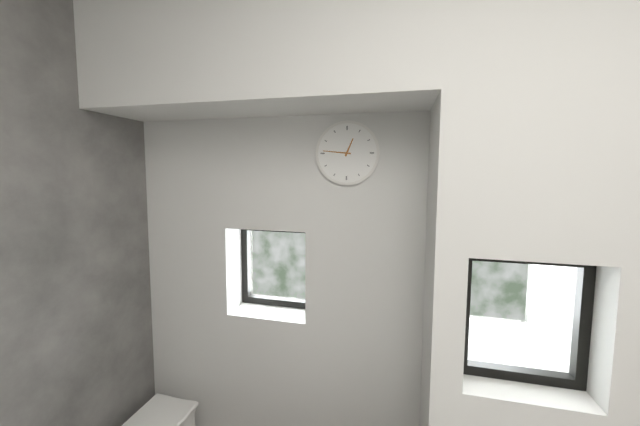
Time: **12:46**
